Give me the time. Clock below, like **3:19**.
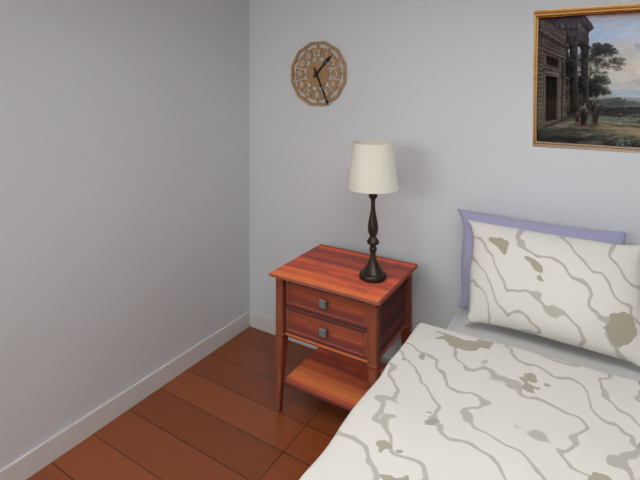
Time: **1:26**
